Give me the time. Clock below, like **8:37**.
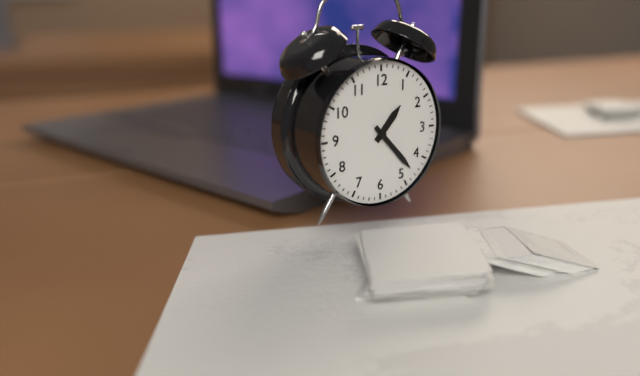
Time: **1:23**
